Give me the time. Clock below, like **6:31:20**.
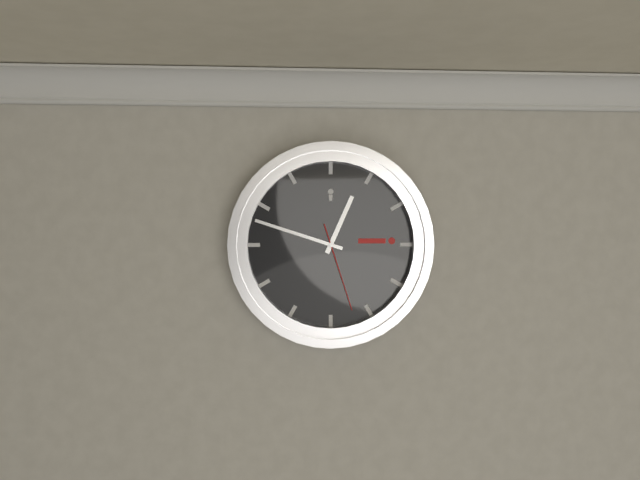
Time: **12:48:27**
